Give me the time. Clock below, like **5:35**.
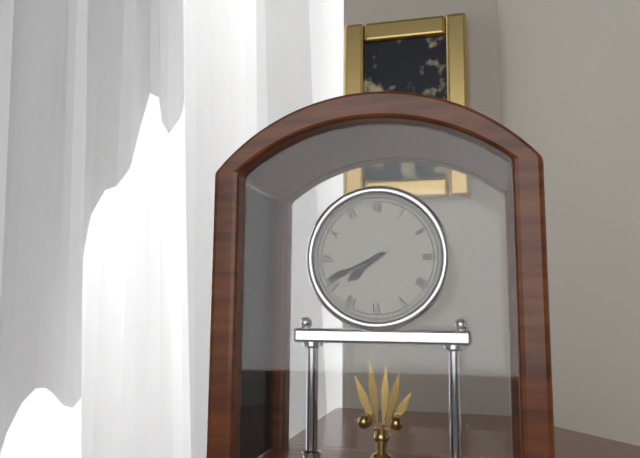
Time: **7:41**
